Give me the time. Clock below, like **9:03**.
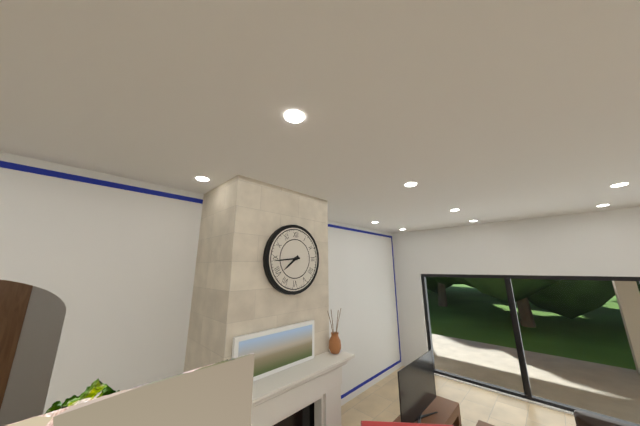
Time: **7:44**
